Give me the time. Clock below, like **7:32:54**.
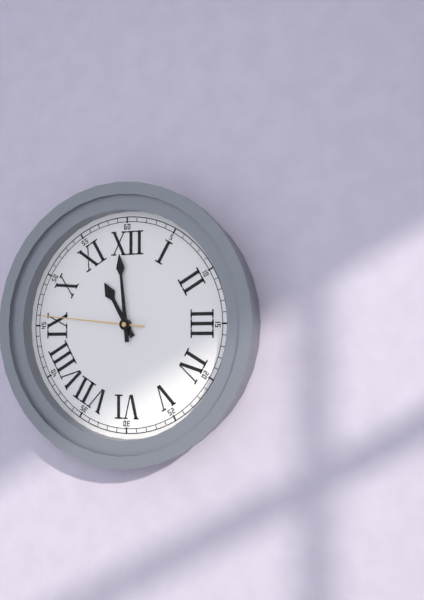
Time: **10:59:46**
